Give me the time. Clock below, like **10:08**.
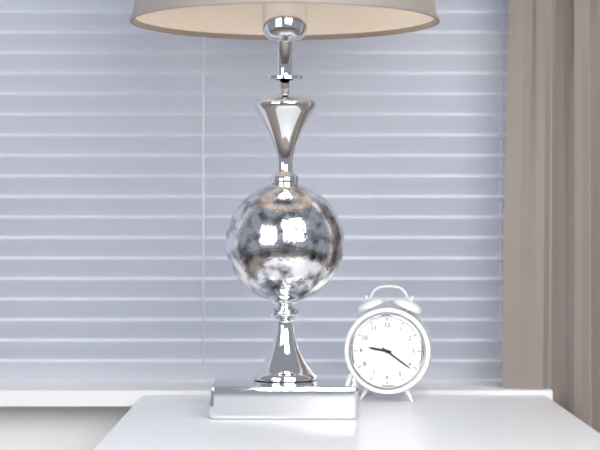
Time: **9:21**
